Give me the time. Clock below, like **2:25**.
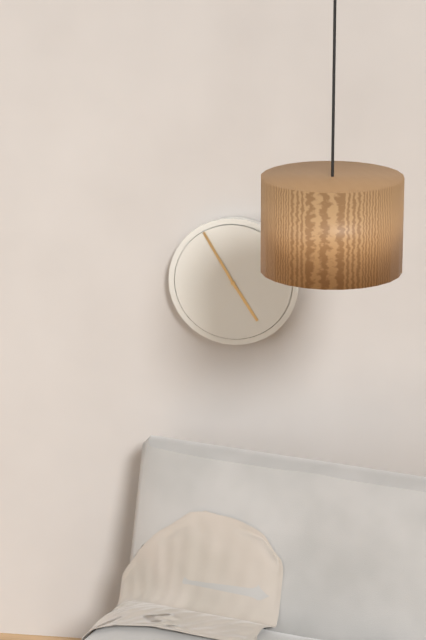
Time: **4:55**
